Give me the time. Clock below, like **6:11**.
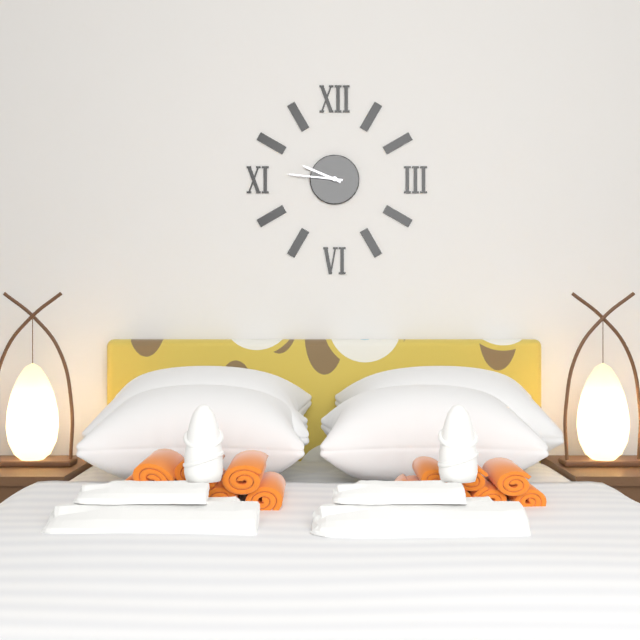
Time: **9:46**
